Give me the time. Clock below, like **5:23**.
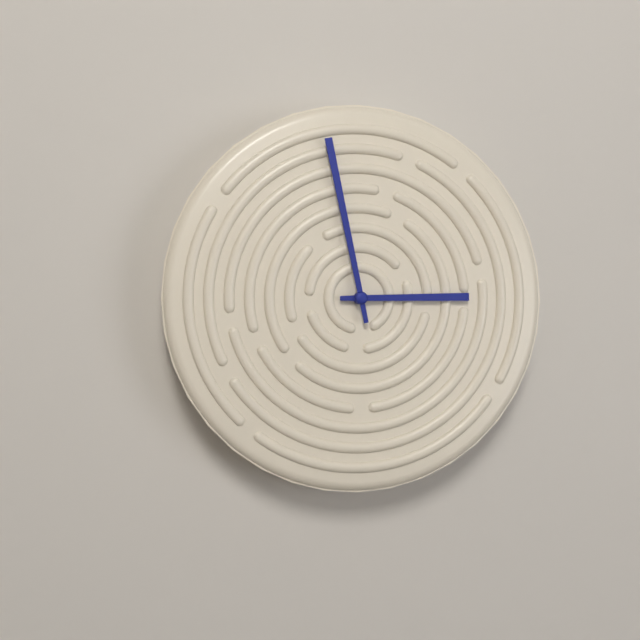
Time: **2:58**
